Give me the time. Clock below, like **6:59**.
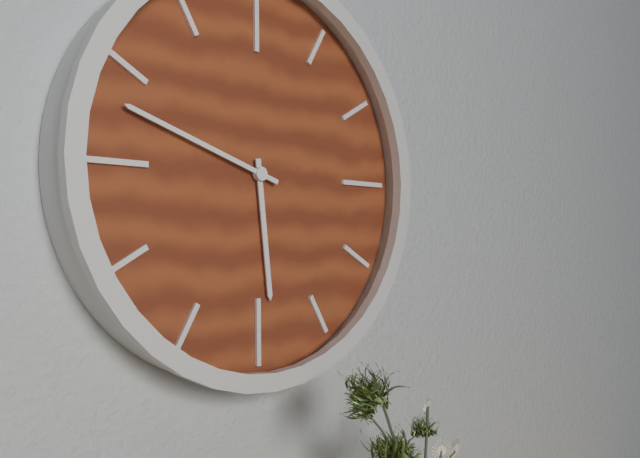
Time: **5:48**
